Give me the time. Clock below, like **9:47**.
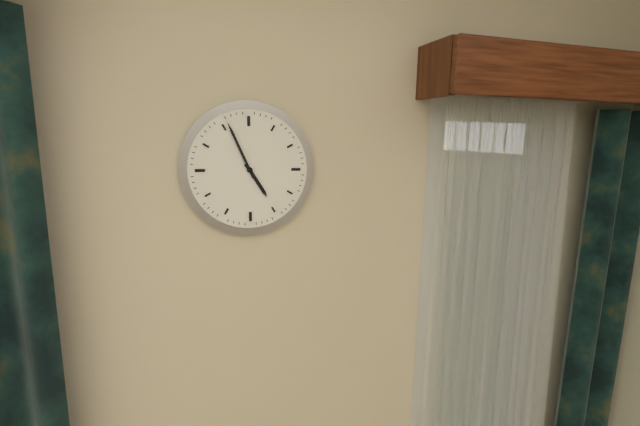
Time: **4:56**
